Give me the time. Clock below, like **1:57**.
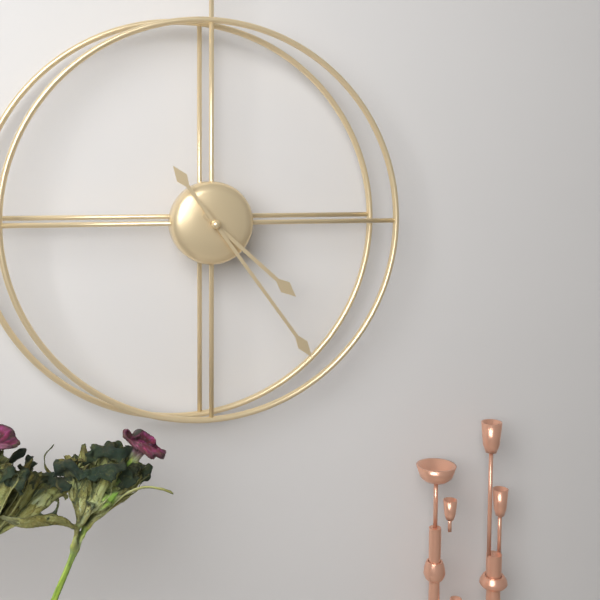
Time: **4:24**
